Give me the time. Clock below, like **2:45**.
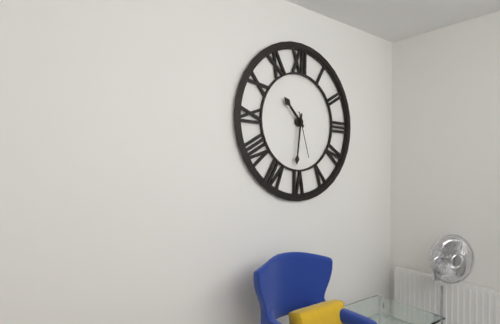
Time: **10:31**
